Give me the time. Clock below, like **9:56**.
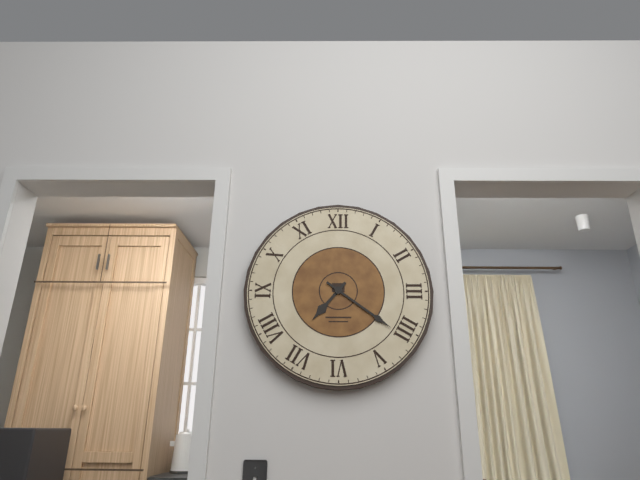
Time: **7:21**
